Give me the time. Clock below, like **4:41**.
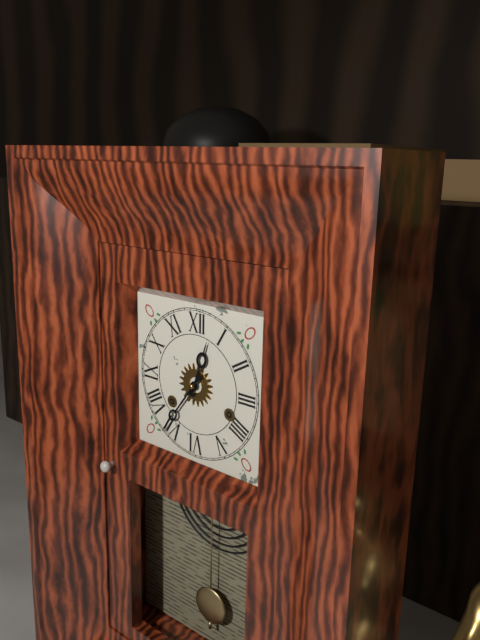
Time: **12:36**
